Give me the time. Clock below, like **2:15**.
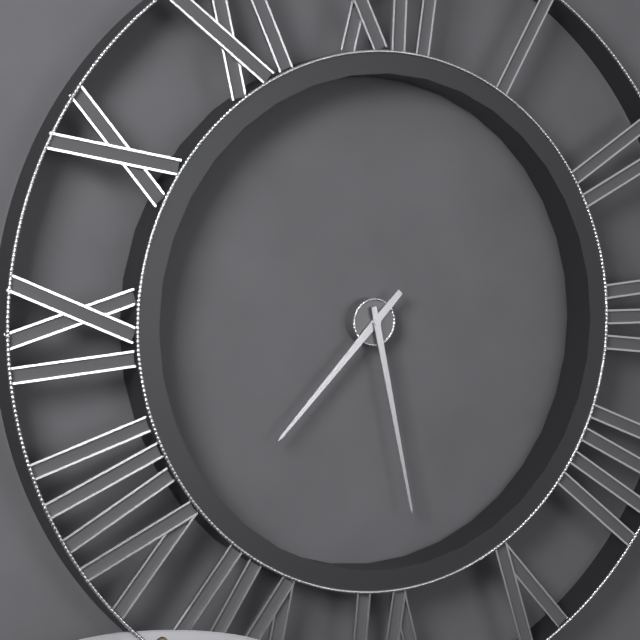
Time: **7:28**
